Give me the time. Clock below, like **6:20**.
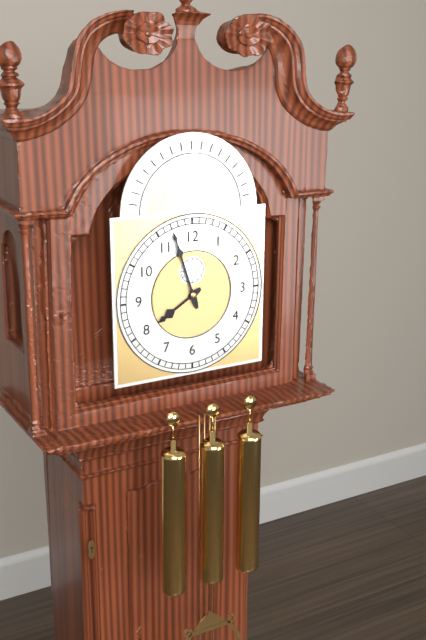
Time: **7:57**
